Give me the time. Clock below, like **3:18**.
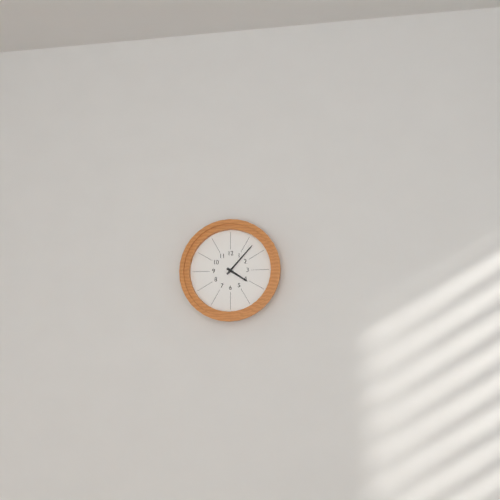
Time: **4:07**
